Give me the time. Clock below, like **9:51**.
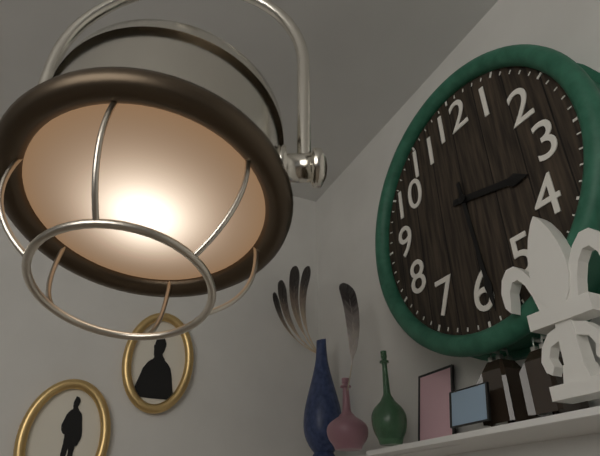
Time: **3:29**
